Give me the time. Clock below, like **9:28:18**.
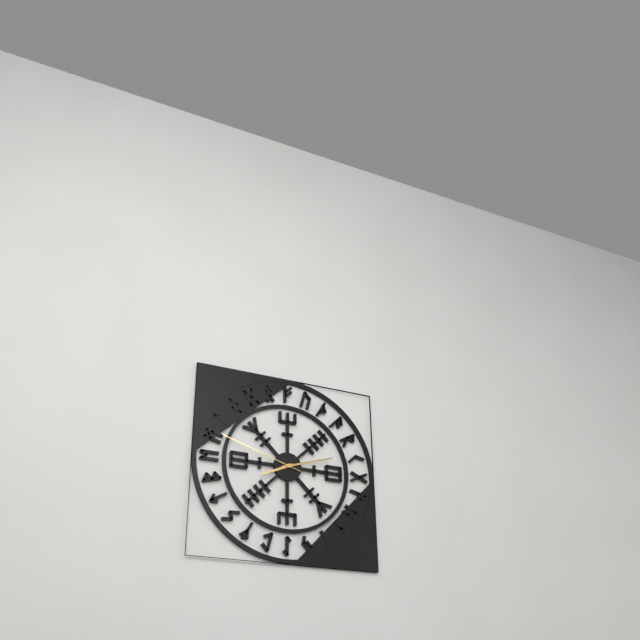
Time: **8:12:48**
